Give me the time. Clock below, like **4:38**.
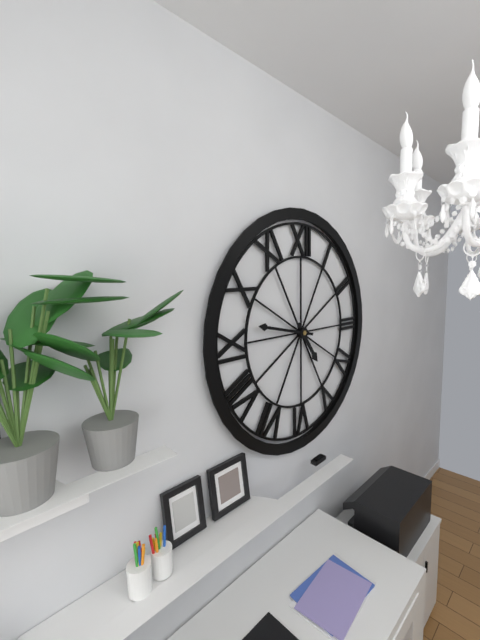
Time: **4:47**
